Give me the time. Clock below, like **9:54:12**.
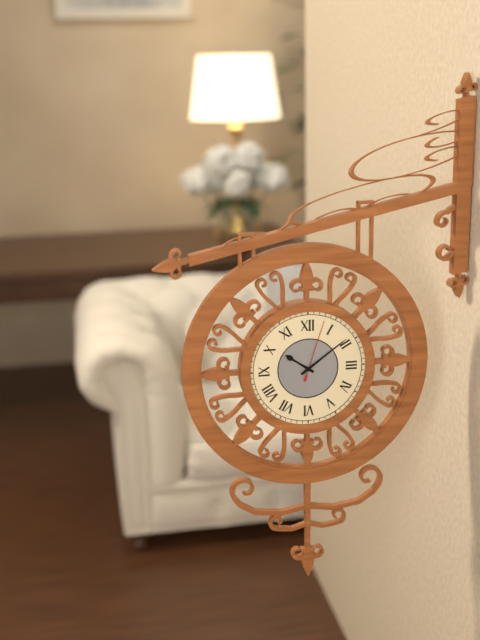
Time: **10:09:03**
